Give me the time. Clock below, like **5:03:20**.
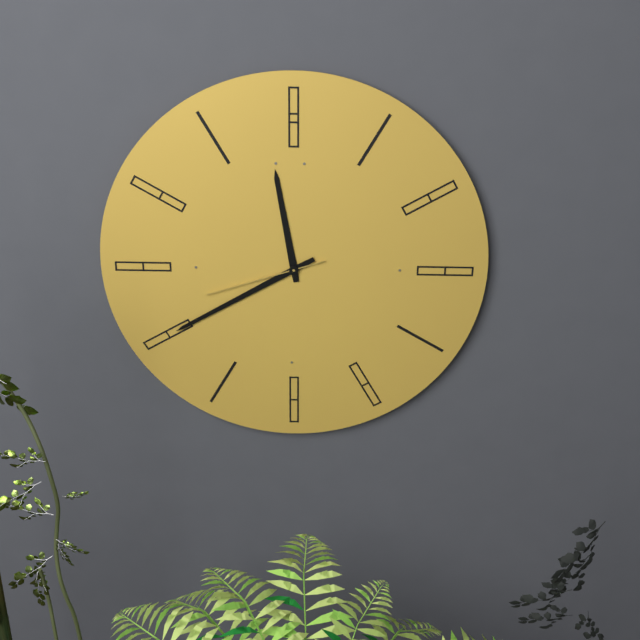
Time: **11:40:42**
